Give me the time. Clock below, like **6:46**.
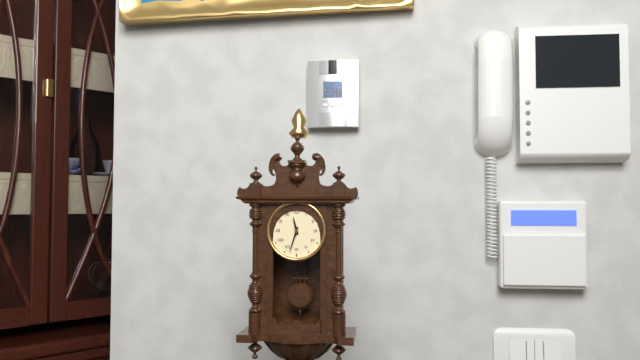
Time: **11:33**
